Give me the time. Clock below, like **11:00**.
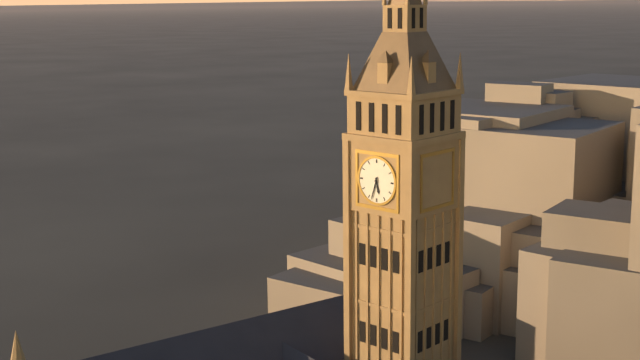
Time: **5:33**
